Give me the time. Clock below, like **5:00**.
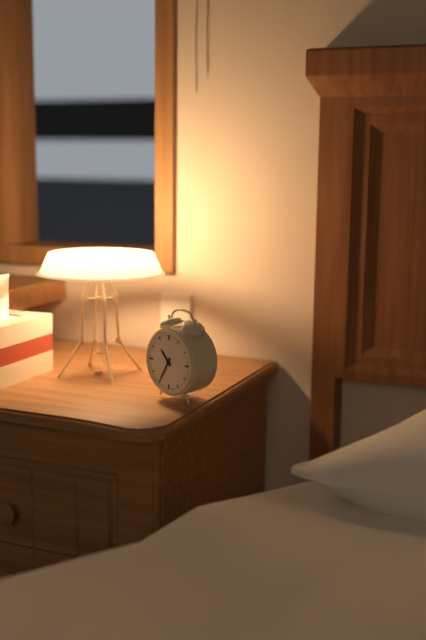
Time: **10:35**
